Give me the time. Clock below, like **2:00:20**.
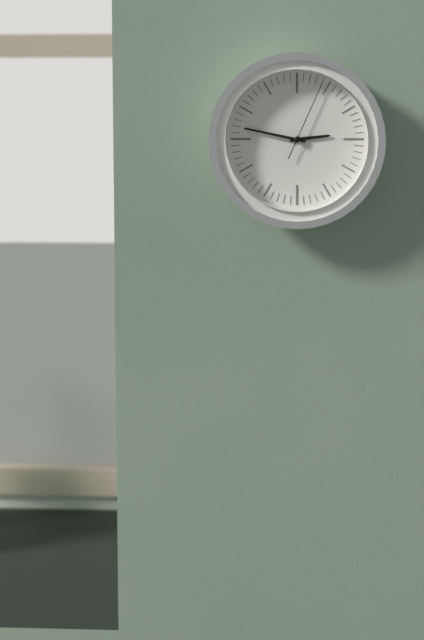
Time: **2:47:04**
